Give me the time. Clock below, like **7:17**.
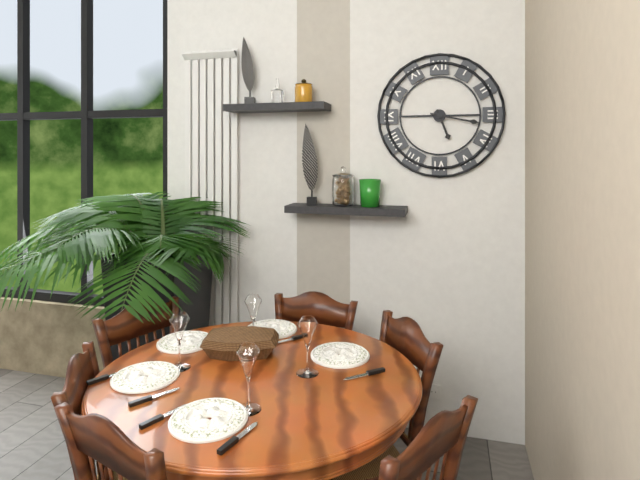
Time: **5:17**
